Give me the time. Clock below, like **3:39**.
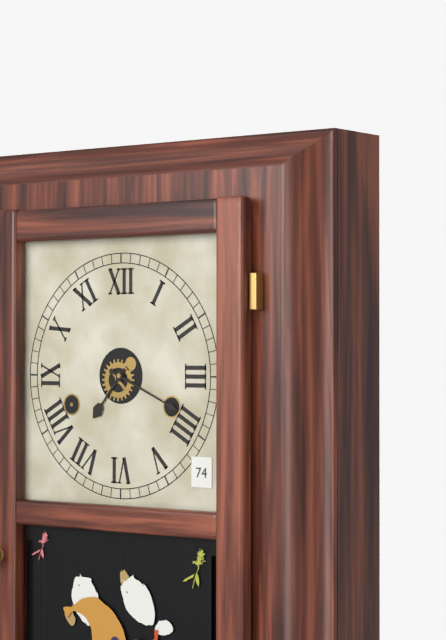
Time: **7:19**
